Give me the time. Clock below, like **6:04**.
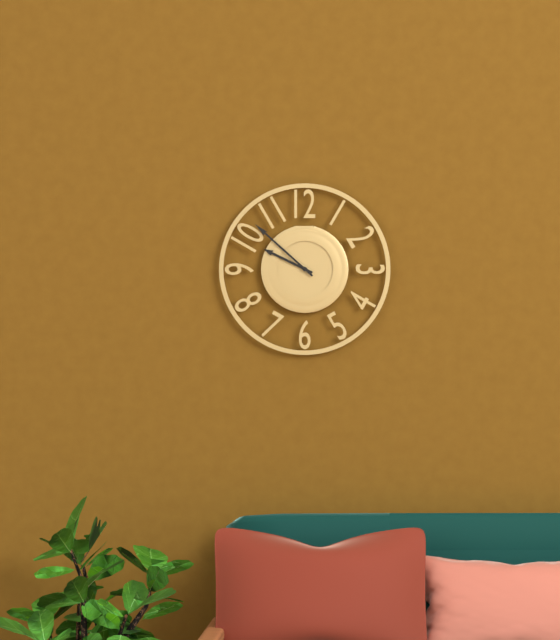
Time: **9:52**
